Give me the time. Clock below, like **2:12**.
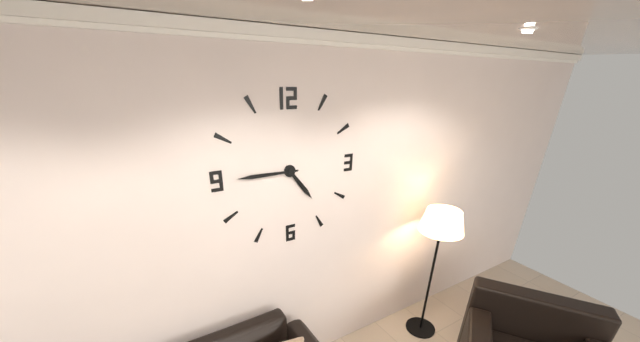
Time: **4:45**
